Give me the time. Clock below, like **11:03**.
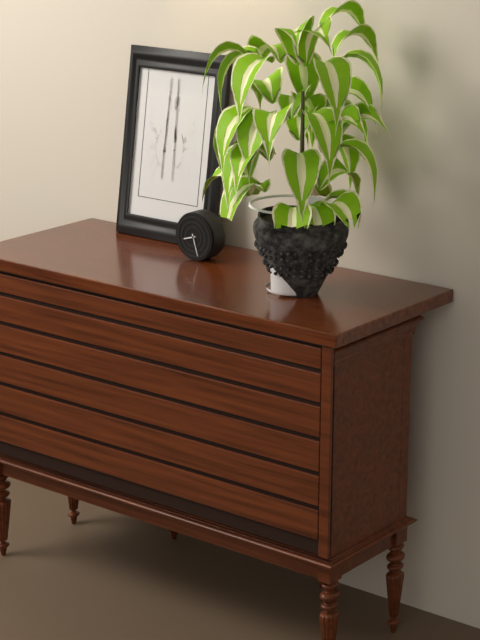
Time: **8:27**
